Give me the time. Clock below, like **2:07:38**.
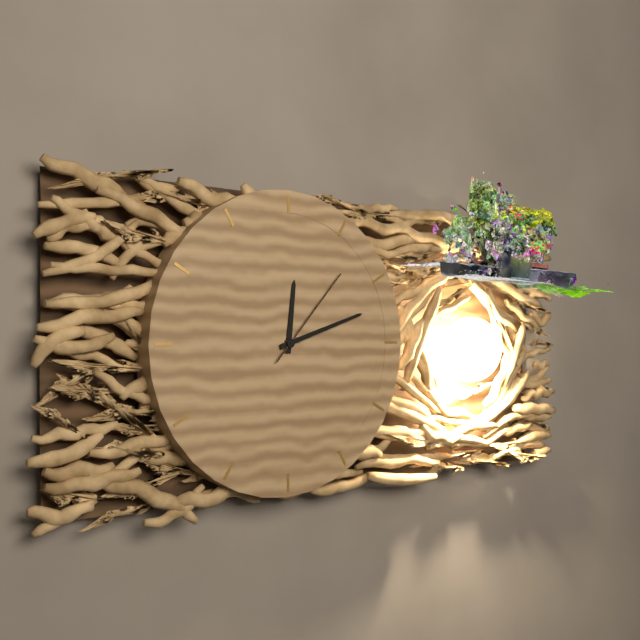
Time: **12:12:07**
